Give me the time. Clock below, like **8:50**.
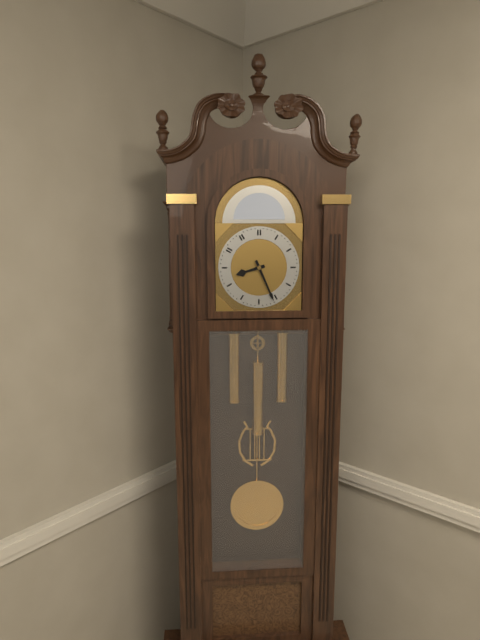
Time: **8:26**
